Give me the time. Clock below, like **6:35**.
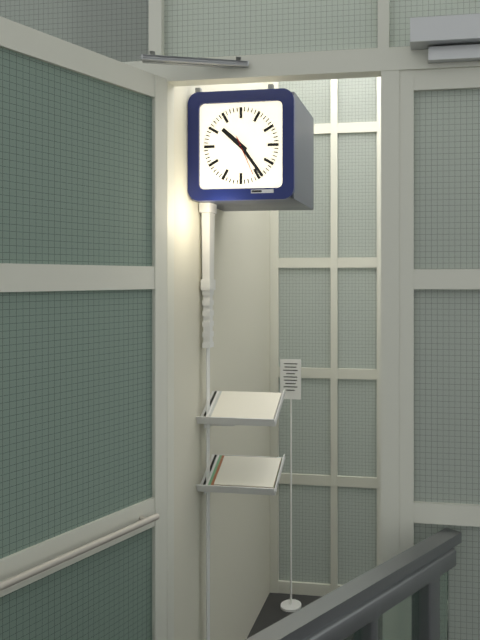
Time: **10:24**
